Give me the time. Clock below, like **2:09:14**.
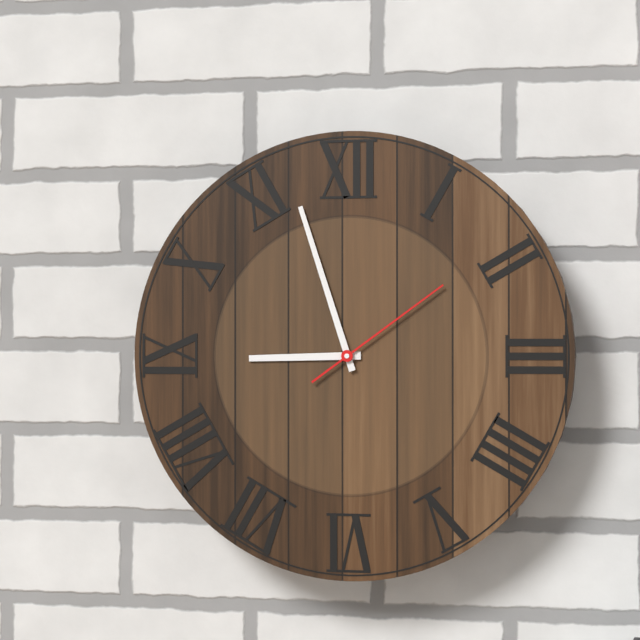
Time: **8:57:09**
